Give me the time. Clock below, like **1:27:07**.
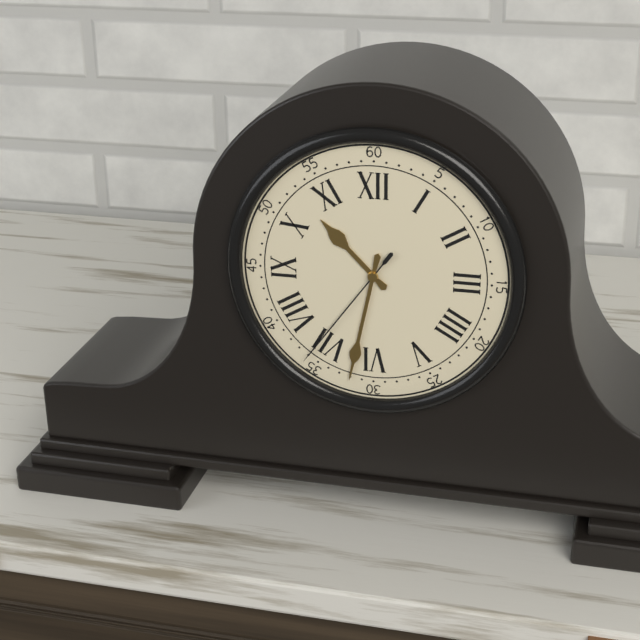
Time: **10:32:36**
